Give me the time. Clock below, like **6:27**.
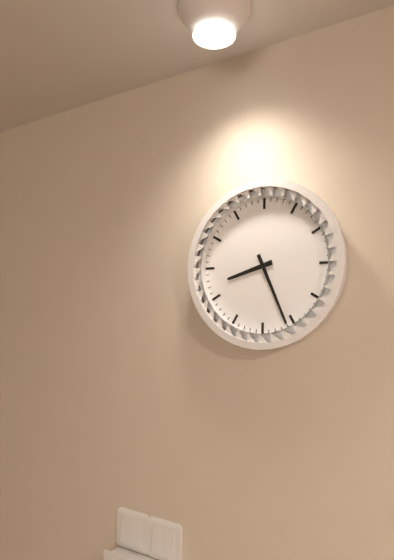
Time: **8:26**
